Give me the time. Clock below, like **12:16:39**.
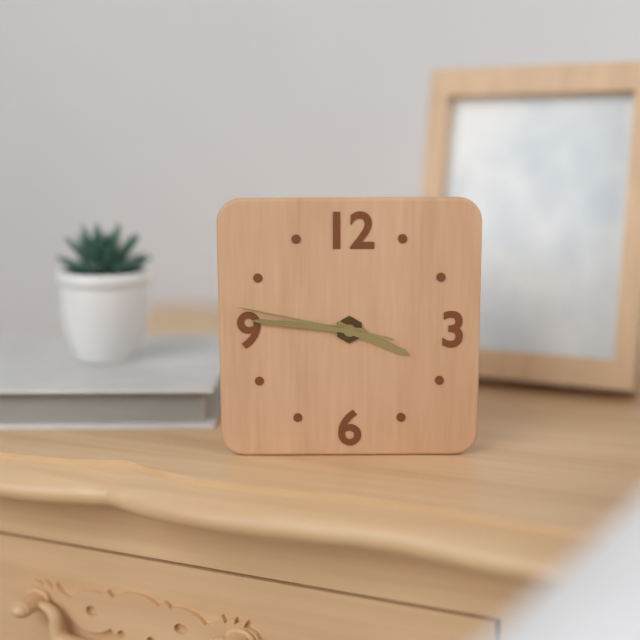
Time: **3:46:47**
